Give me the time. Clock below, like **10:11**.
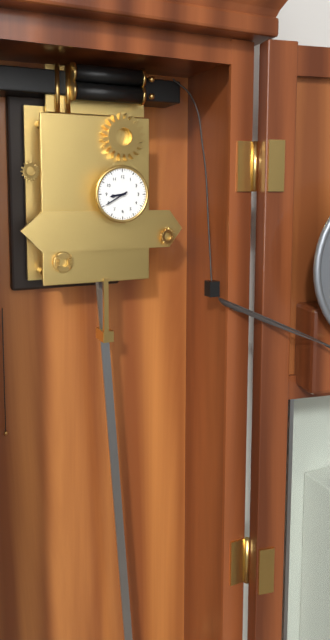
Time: **8:40**
